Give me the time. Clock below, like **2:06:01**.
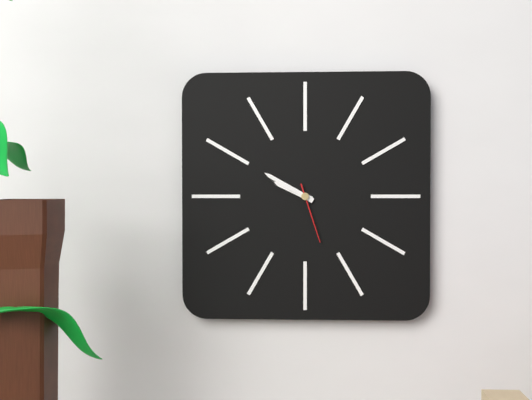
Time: **9:50:27**
